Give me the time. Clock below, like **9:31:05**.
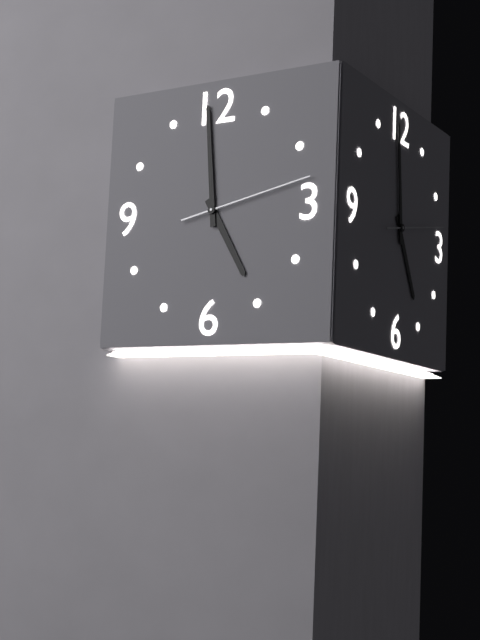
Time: **4:59:13**
